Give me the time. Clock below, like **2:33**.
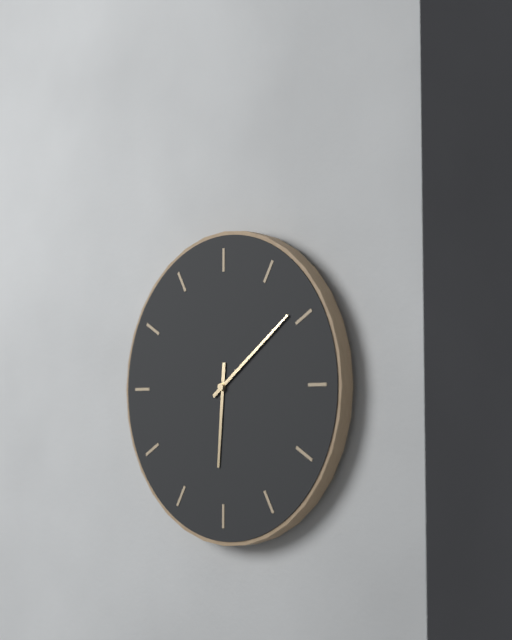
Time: **6:09**
